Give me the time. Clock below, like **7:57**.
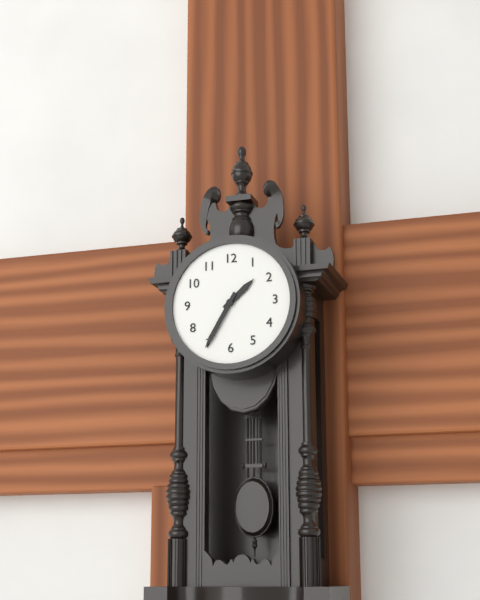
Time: **1:35**
